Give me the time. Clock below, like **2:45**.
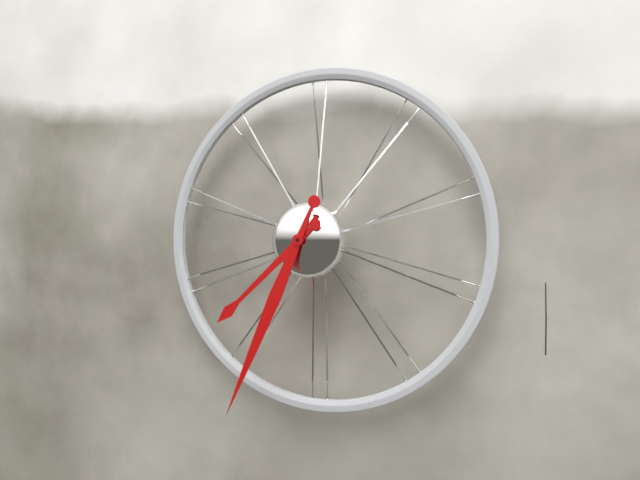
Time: **7:34**
